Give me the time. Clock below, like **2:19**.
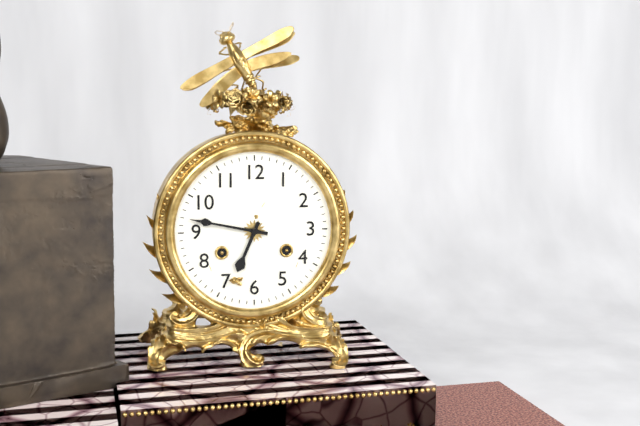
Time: **6:47**
